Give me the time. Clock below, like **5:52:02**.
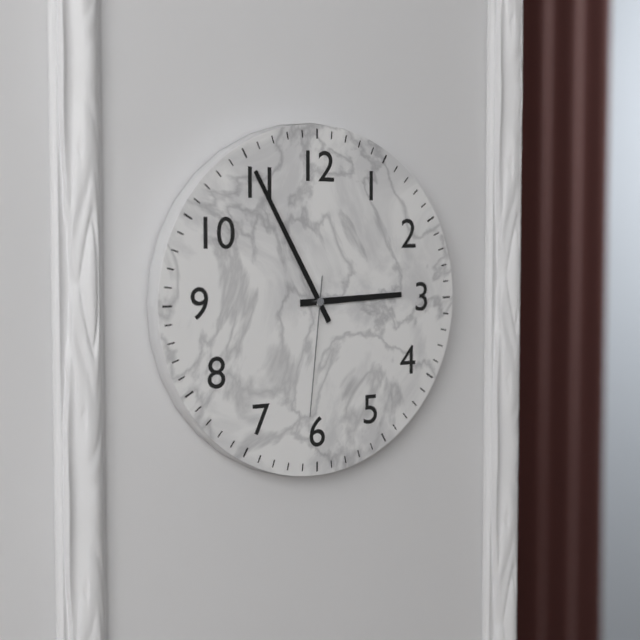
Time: **2:55:31**
